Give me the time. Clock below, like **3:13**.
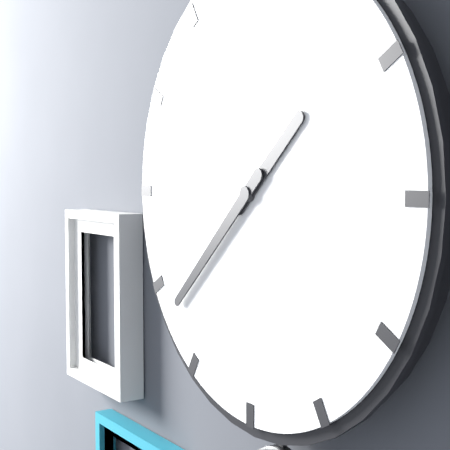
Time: **1:38**
